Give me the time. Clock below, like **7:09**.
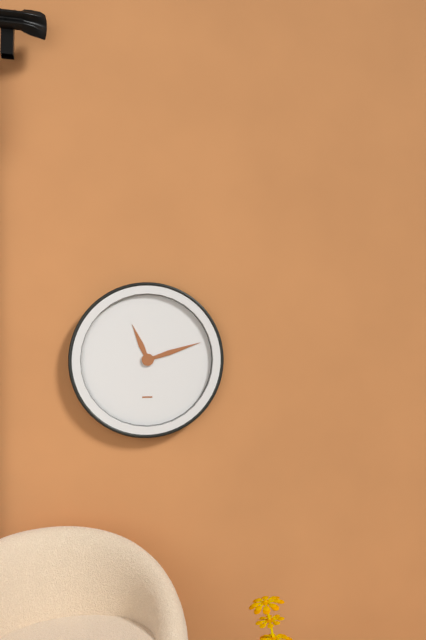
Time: **11:12**
